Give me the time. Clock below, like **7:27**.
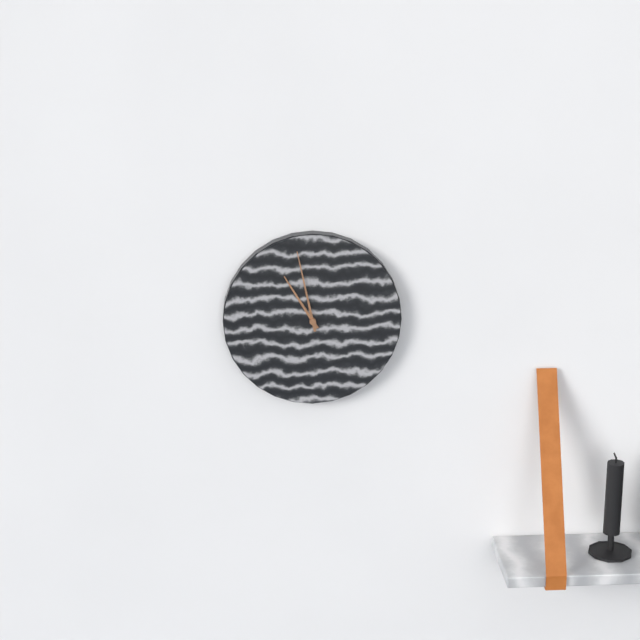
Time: **10:58**
